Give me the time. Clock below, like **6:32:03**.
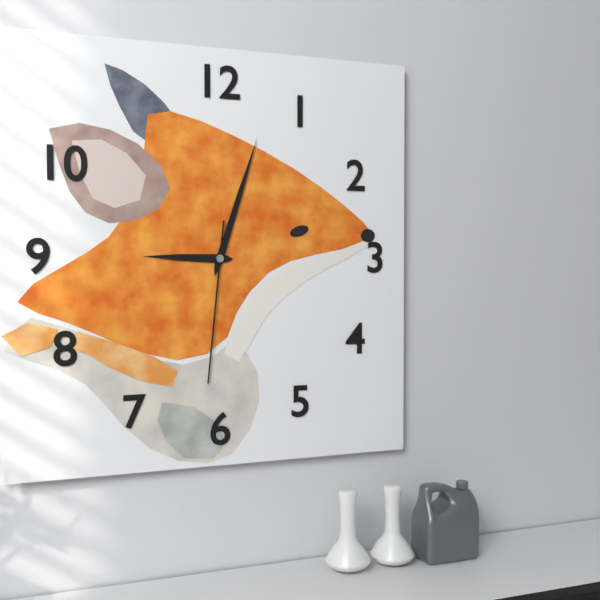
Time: **9:03:31**
